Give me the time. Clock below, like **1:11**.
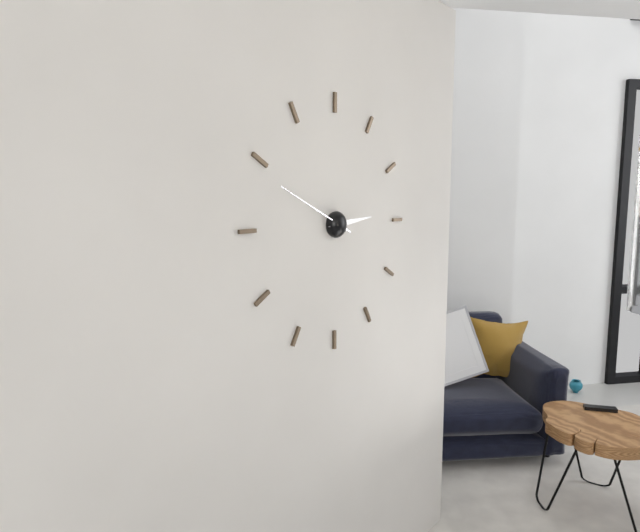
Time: **2:49**
